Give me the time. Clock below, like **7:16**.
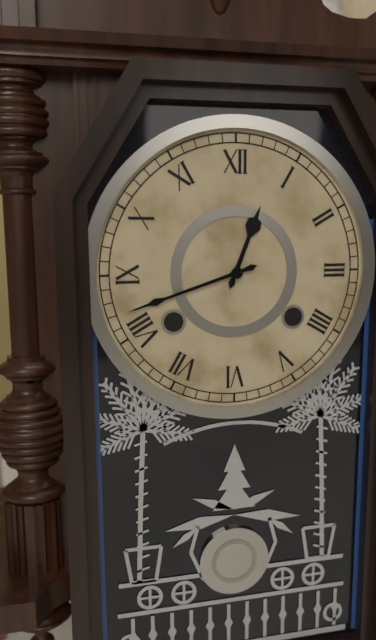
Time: **12:42**
